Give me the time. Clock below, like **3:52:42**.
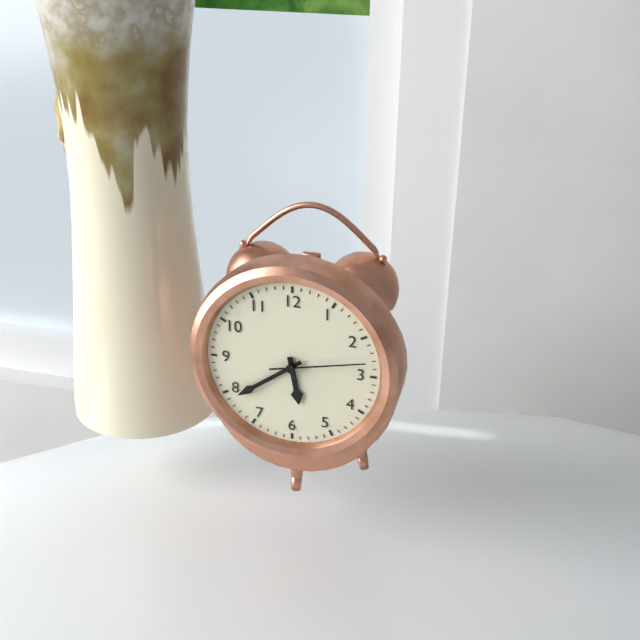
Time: **5:39:13**
